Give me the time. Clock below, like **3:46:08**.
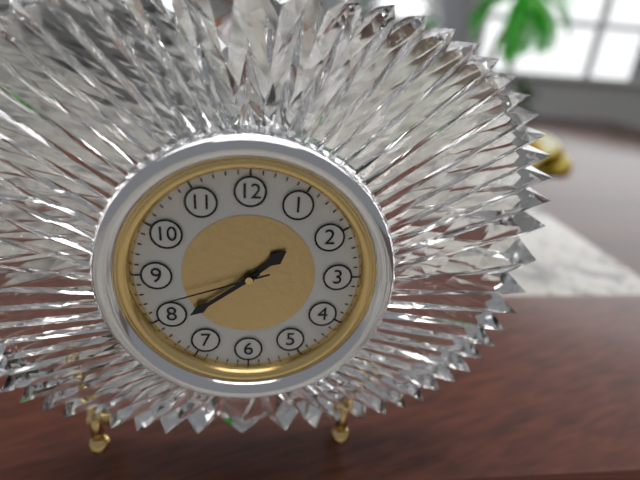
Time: **1:39:42**
